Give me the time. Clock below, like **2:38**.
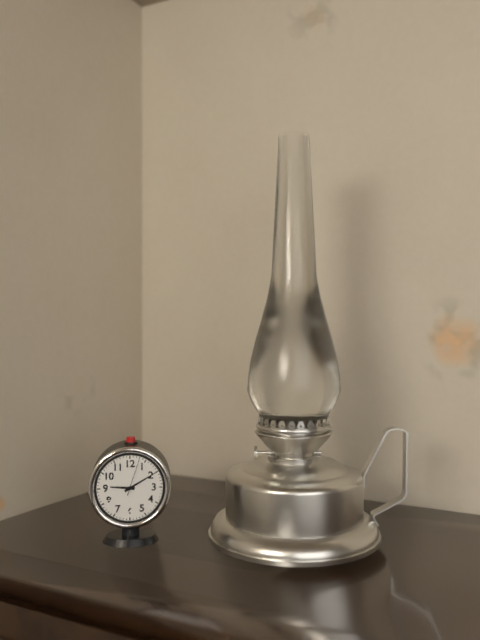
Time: **9:10**
